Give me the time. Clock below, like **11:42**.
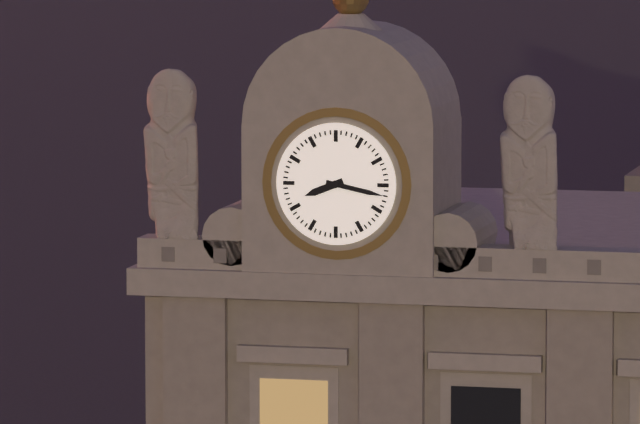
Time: **8:17**
